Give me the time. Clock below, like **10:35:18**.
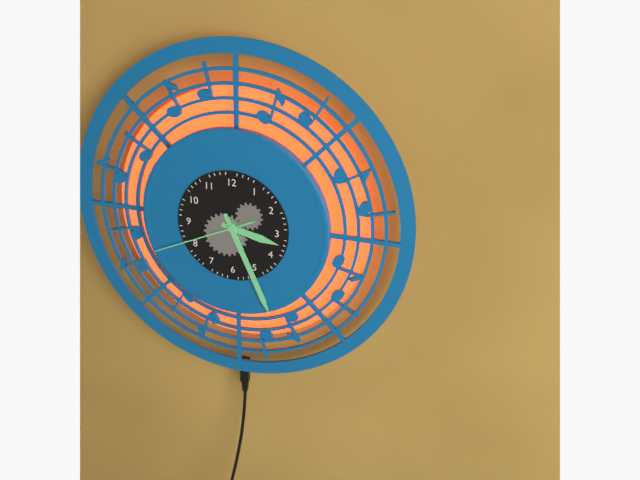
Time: **3:26:41**
